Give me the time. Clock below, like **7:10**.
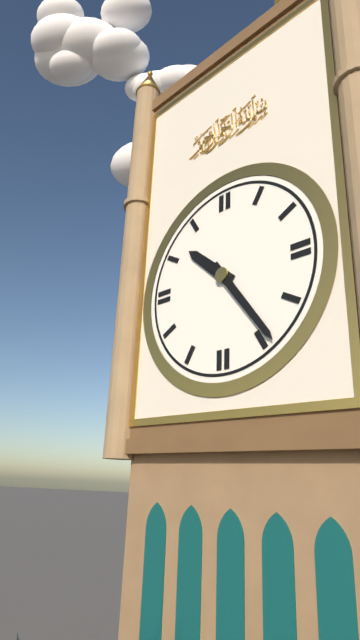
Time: **10:24**
